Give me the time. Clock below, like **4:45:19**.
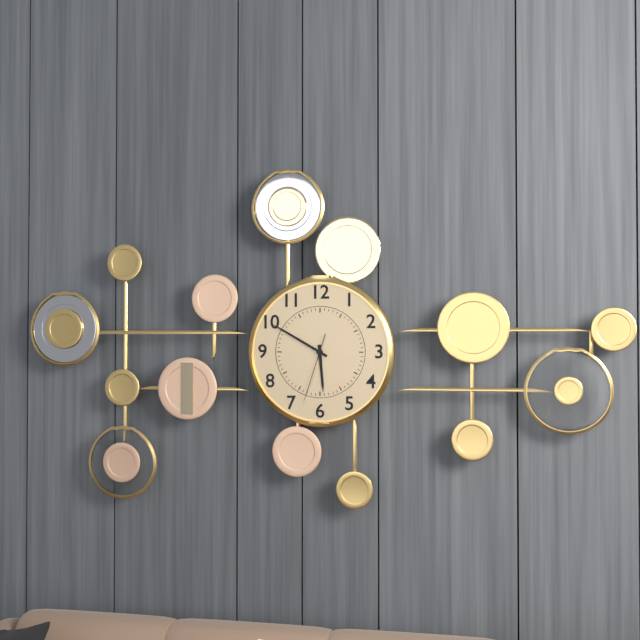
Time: **5:50:33**
